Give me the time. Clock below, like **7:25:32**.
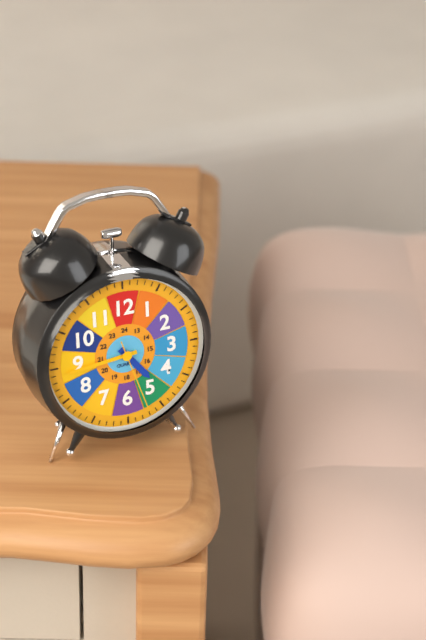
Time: **4:44:27**
